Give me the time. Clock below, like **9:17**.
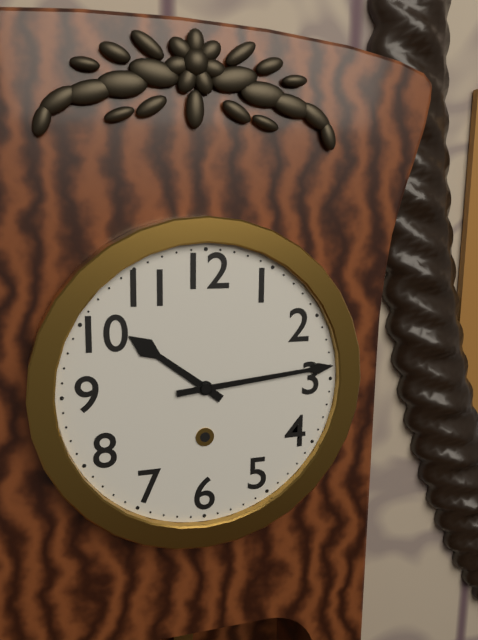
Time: **10:14**
